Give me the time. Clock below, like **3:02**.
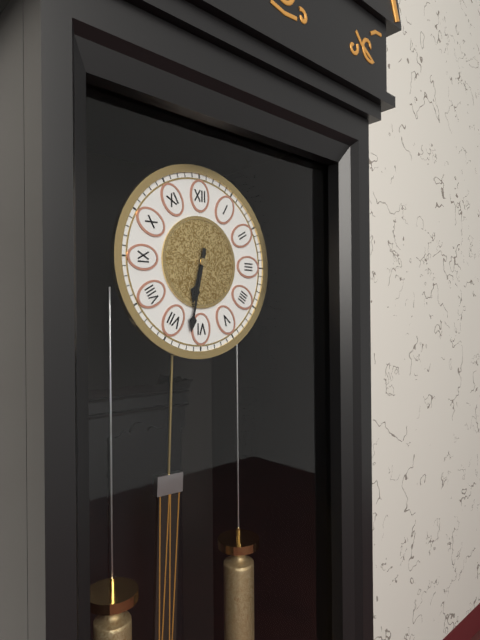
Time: **6:32**
